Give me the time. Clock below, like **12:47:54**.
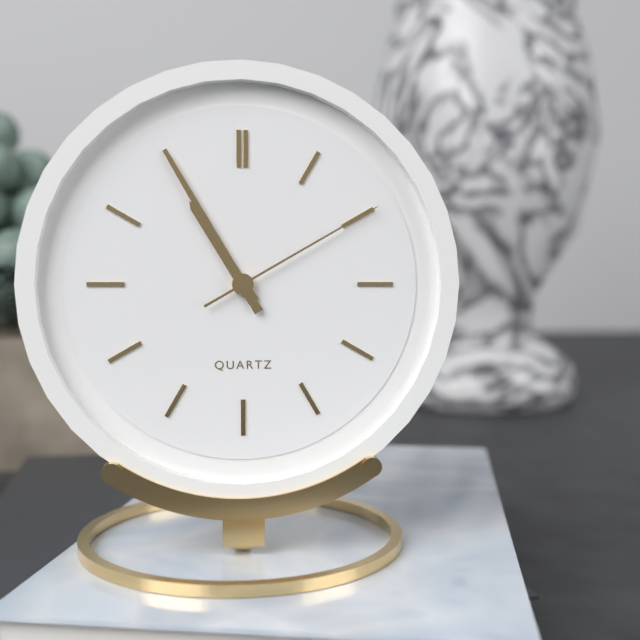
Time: **10:55:10**
